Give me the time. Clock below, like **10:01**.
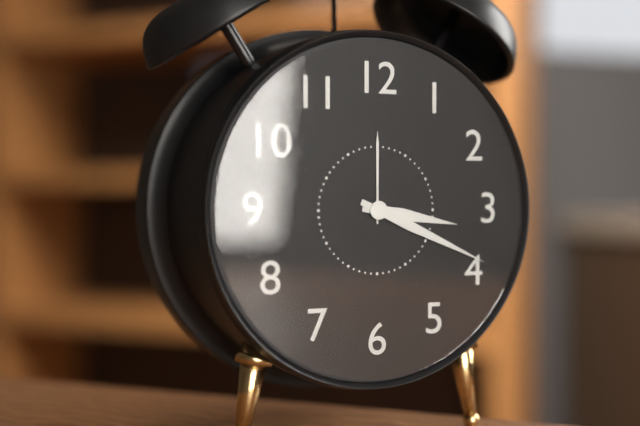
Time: **3:19**
